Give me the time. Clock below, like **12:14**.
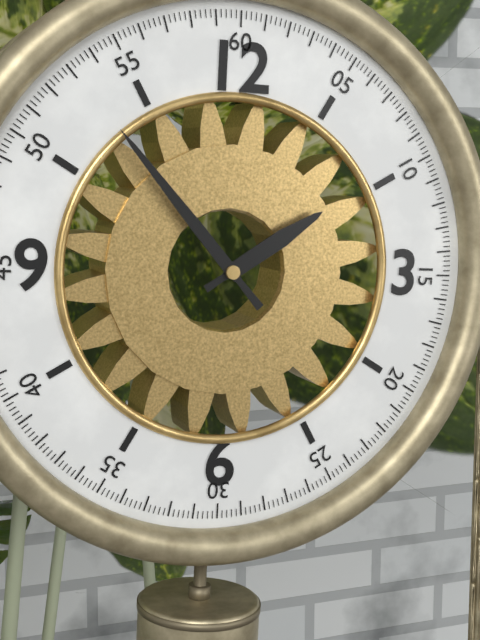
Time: **1:53**
